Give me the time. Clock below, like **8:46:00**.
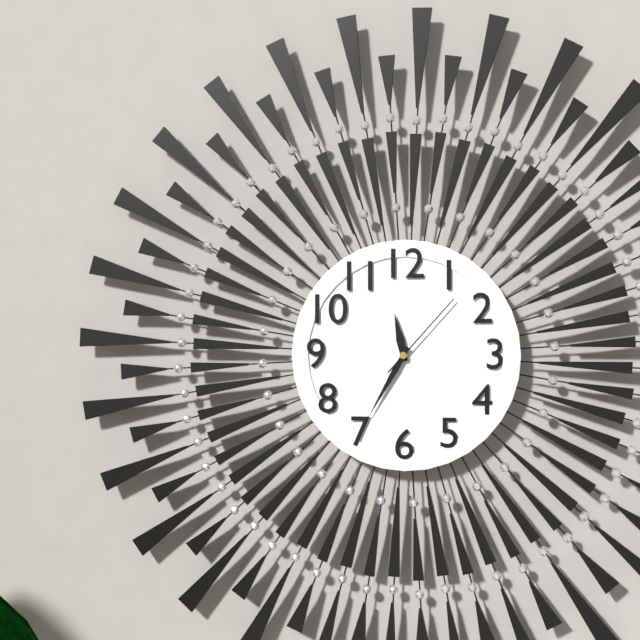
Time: **11:35:07**
